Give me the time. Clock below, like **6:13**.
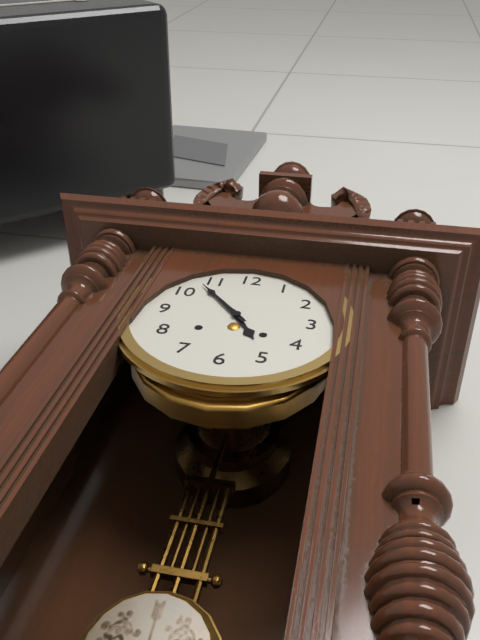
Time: **4:53**
